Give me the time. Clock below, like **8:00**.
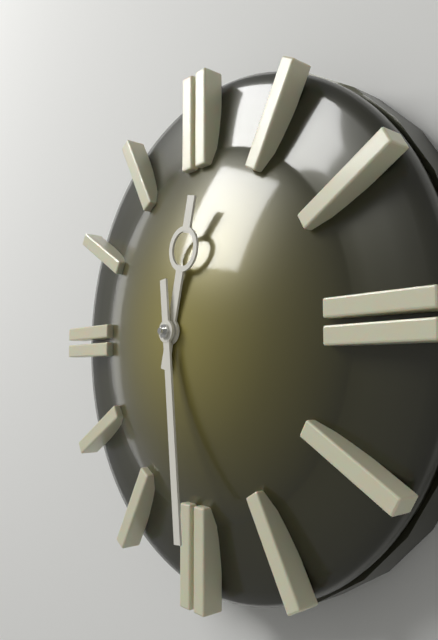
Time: **12:29**
